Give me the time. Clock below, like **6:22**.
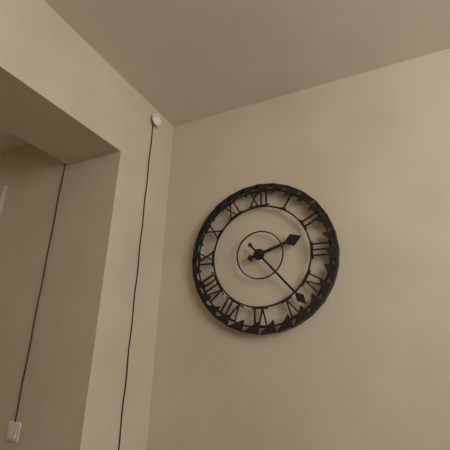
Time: **2:23**
